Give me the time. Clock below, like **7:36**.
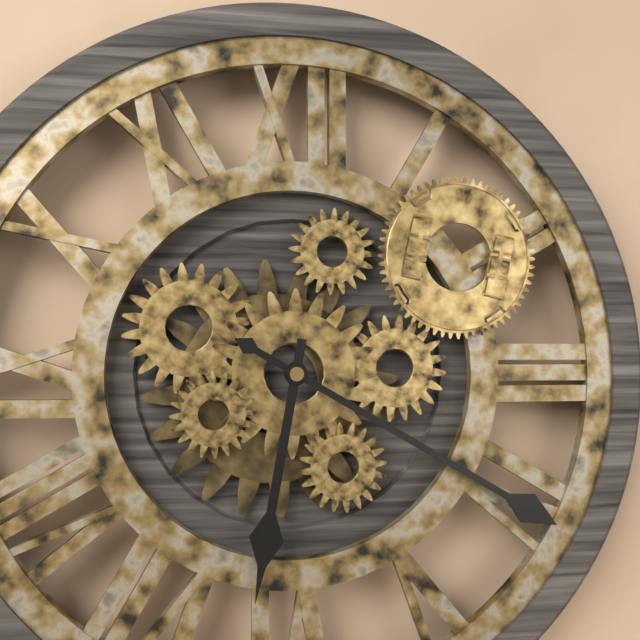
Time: **6:20**
